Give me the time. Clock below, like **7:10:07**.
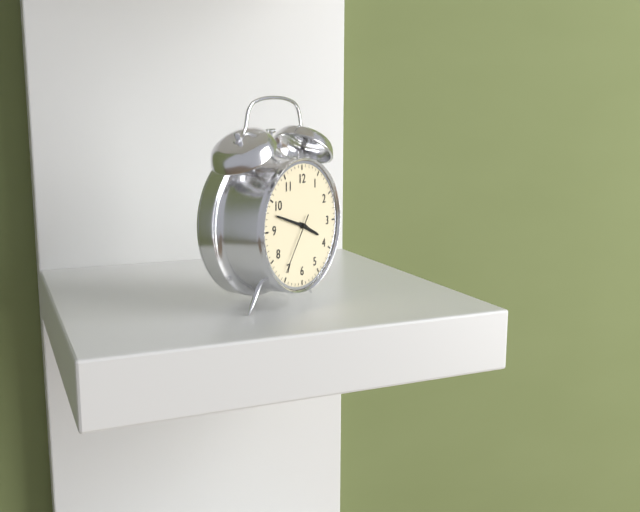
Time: **3:48:36**
